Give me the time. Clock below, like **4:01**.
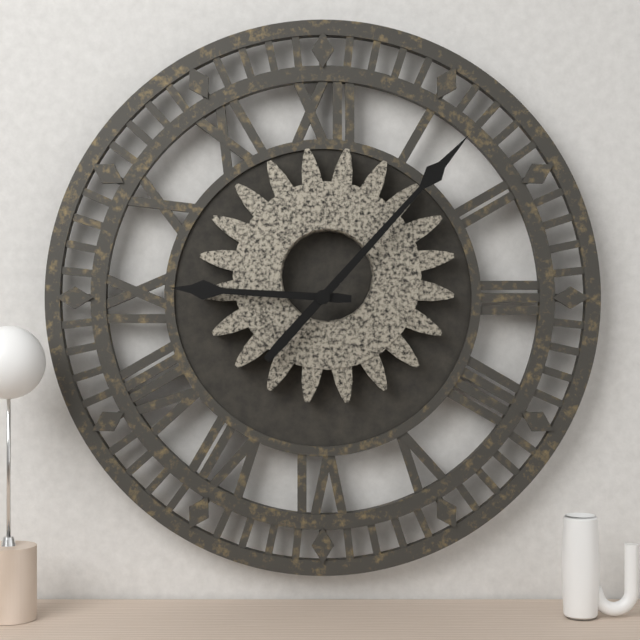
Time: **9:07**
